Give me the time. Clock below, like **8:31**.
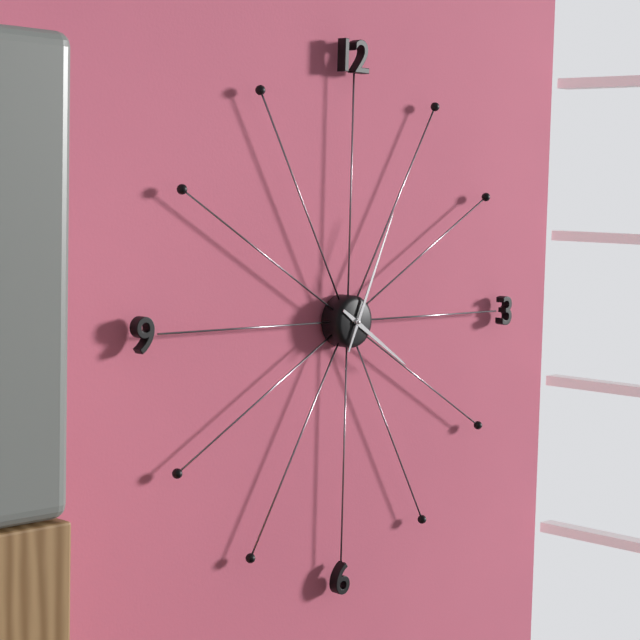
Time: **4:04**
